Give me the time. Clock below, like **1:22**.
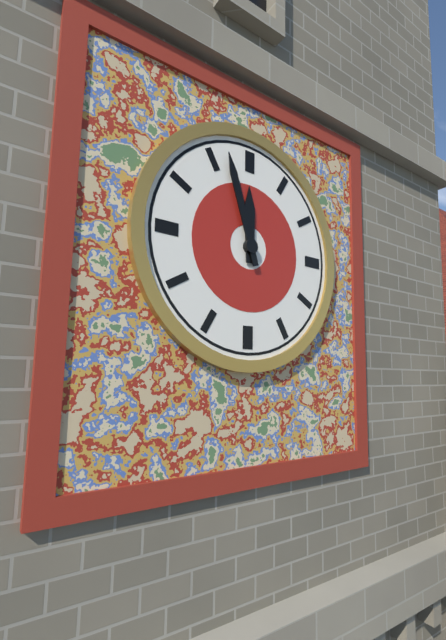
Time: **11:57**
